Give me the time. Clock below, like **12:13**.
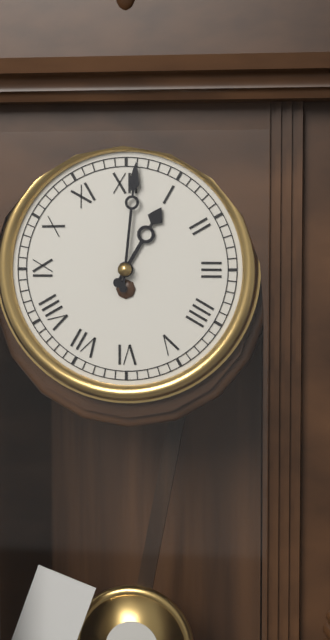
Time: **1:01**
